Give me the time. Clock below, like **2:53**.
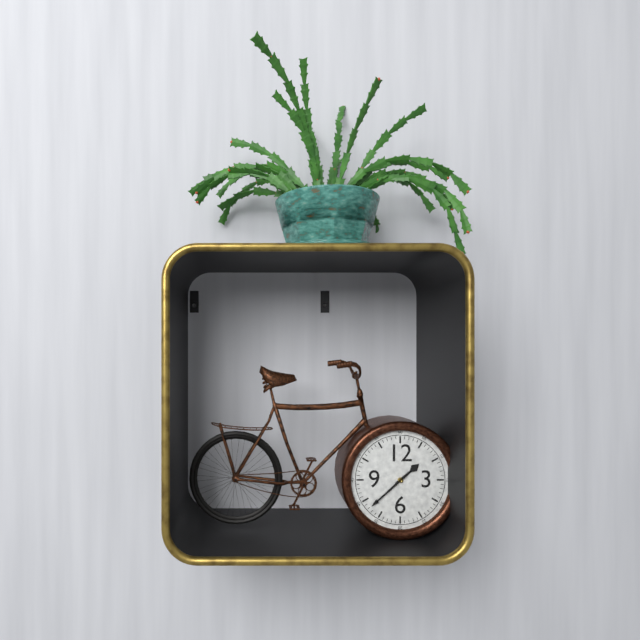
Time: **1:38**
